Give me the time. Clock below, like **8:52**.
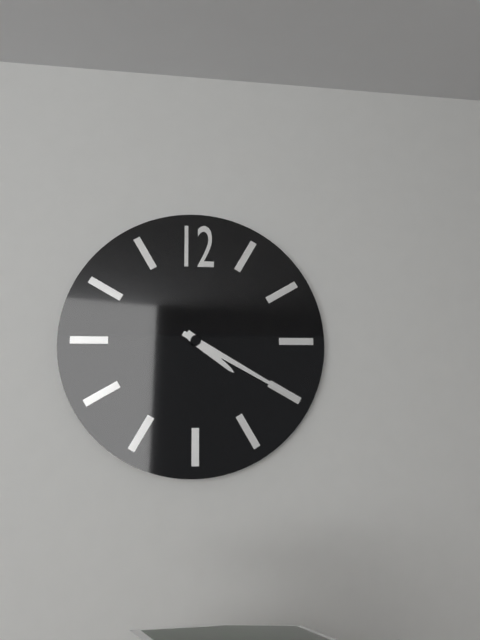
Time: **4:20**
